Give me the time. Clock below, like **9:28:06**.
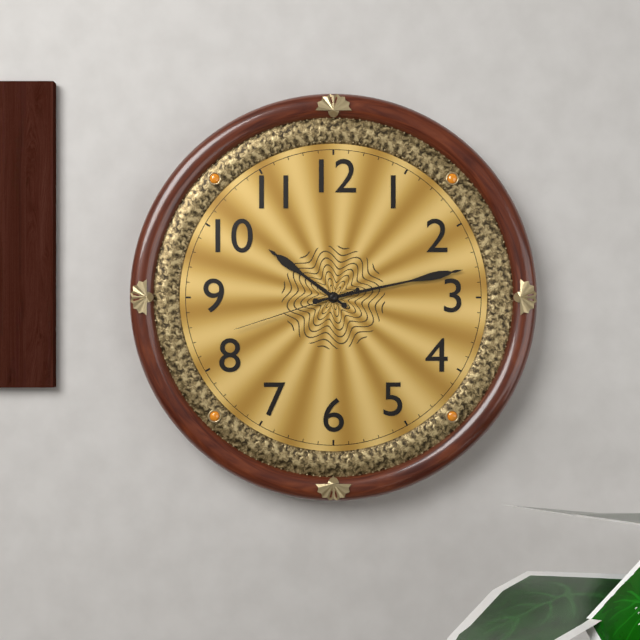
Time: **10:13:42**
